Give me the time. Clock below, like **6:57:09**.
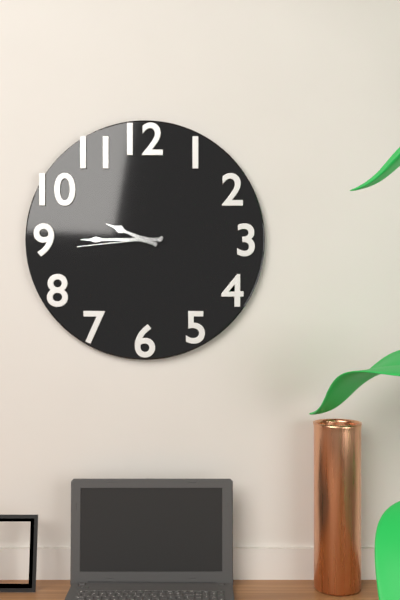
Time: **9:45:44**
